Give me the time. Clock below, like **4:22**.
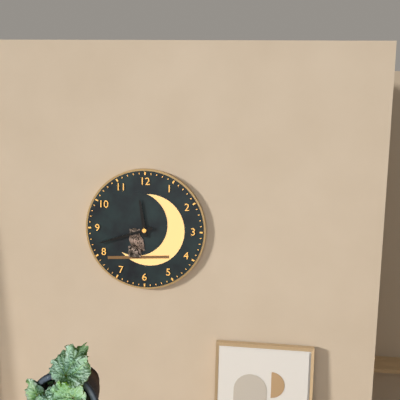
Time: **11:42**
